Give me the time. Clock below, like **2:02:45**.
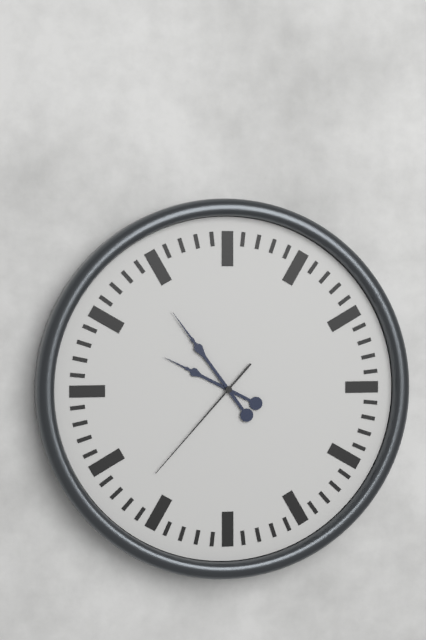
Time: **9:54:37**
